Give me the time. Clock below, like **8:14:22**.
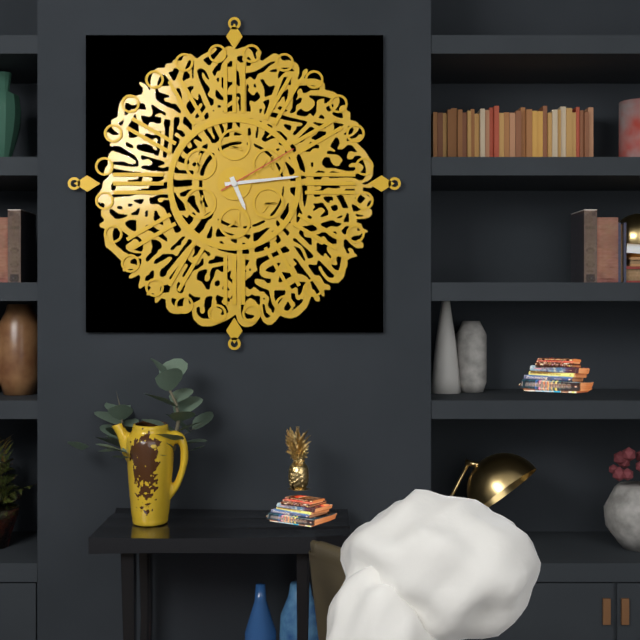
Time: **5:14:10**
